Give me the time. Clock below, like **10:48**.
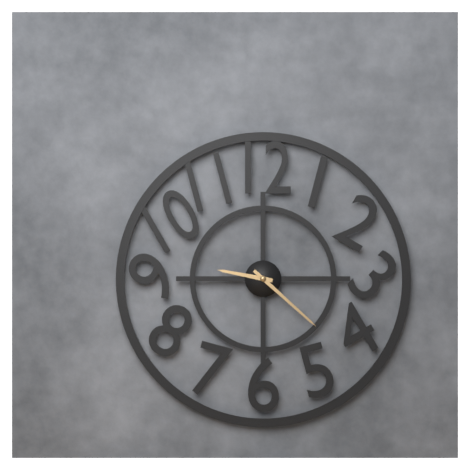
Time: **9:22**
